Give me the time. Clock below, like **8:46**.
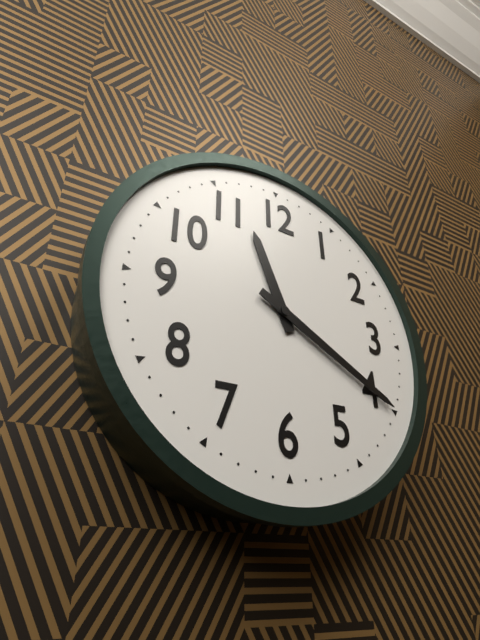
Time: **11:20**
